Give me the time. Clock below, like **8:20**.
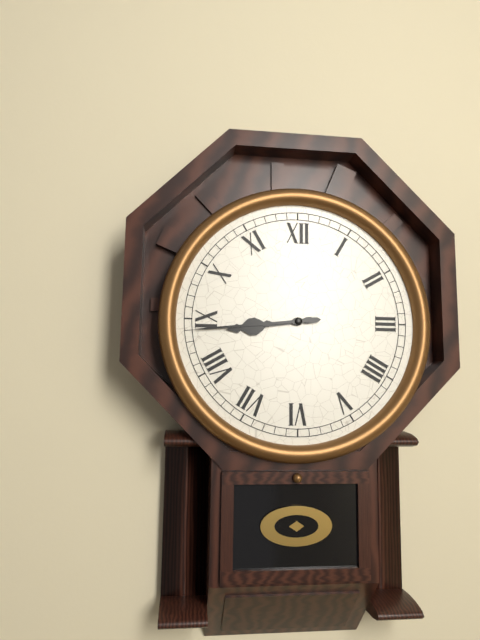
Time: **8:44**
